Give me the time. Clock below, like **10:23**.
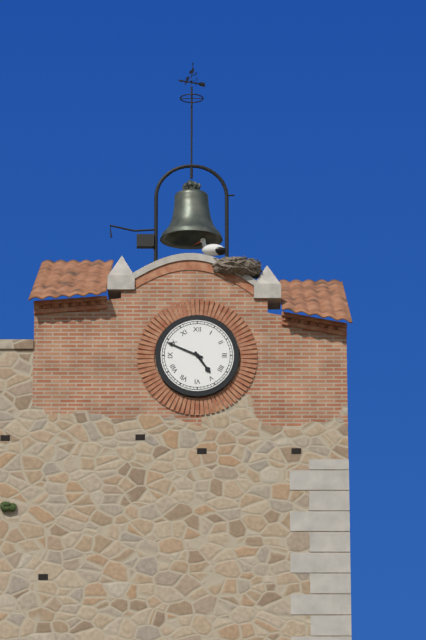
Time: **4:49**
